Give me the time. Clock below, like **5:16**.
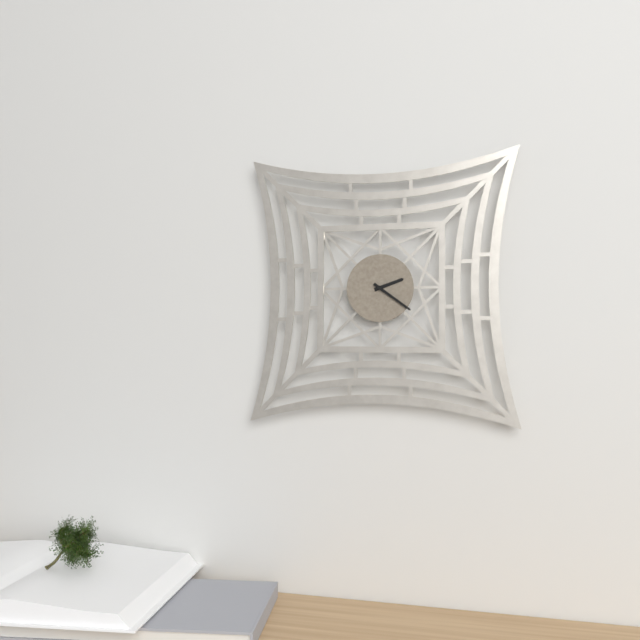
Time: **2:21**
